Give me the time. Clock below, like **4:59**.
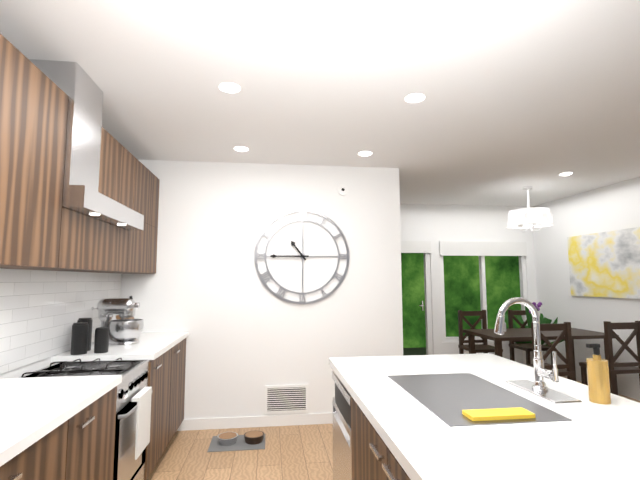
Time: **10:45**
